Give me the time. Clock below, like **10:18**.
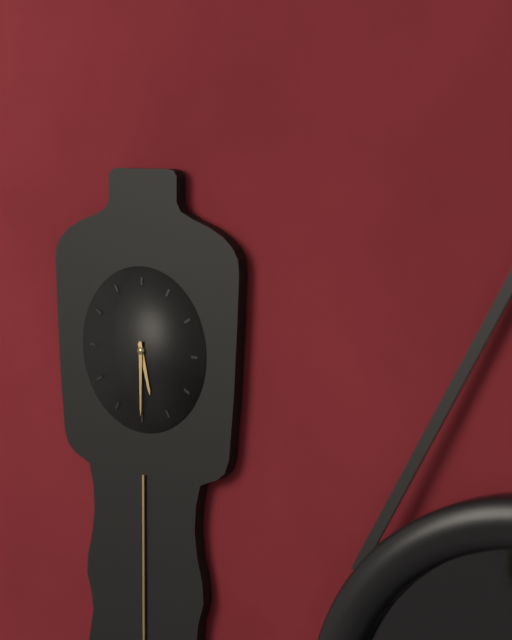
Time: **5:30**
